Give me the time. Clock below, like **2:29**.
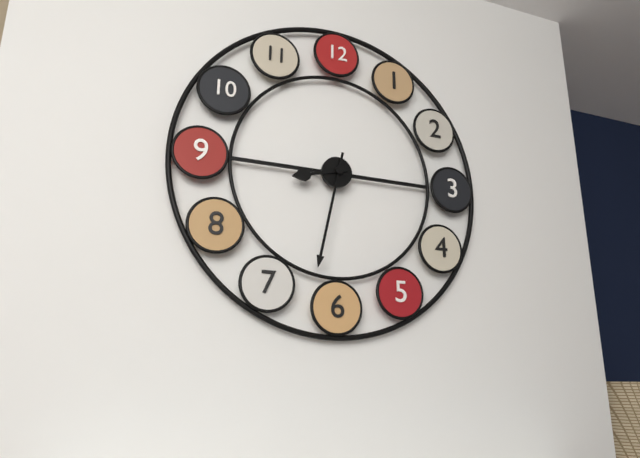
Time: **8:32**
